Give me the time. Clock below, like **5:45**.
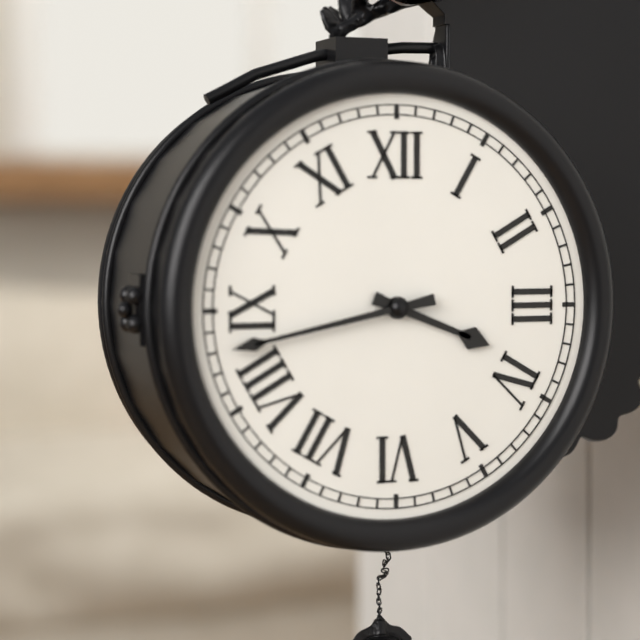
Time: **3:43**
